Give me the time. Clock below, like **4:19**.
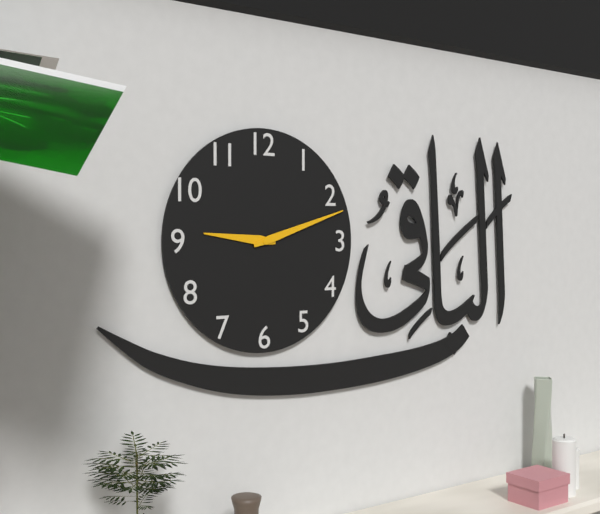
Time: **9:12**
